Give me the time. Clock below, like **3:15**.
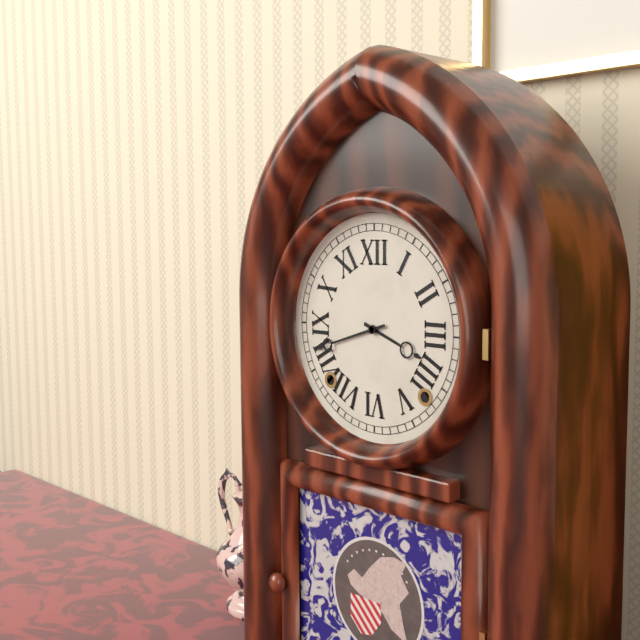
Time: **3:42**
